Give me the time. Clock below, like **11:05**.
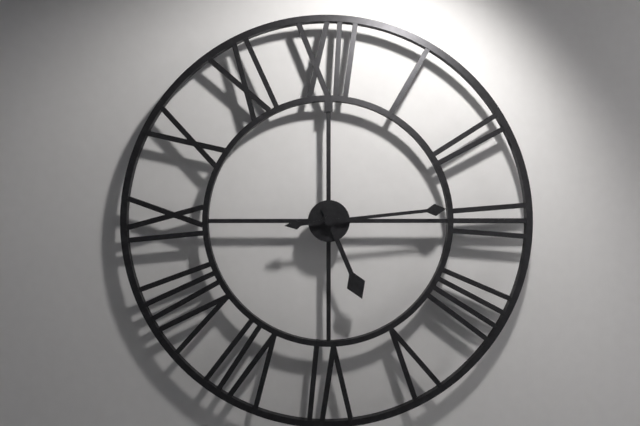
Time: **5:14**
